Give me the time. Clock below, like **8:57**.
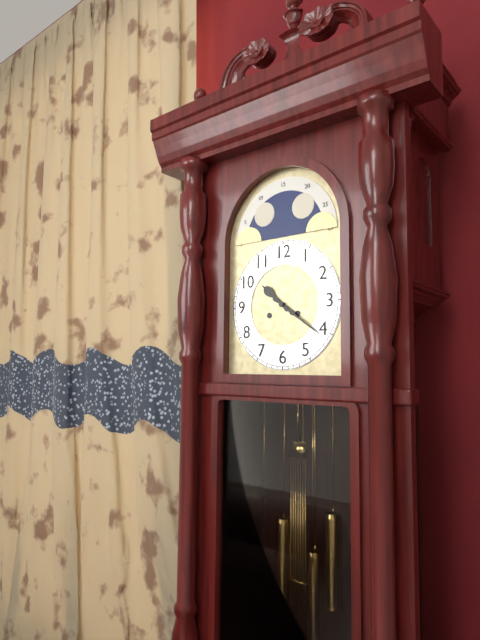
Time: **10:21**
